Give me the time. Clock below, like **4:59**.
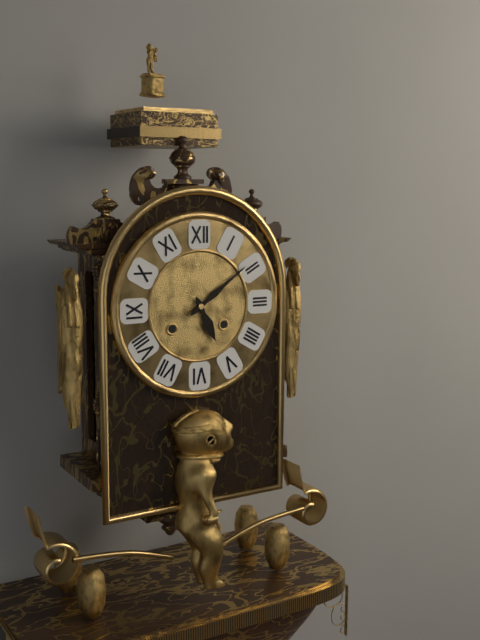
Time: **5:09**
